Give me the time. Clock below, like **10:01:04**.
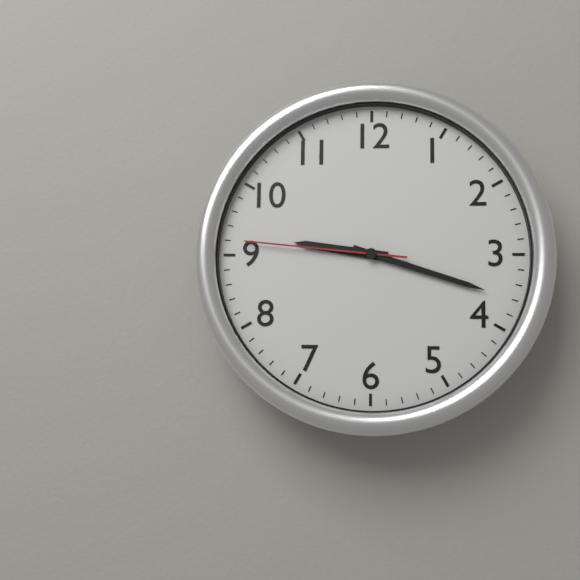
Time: **9:18:46**
